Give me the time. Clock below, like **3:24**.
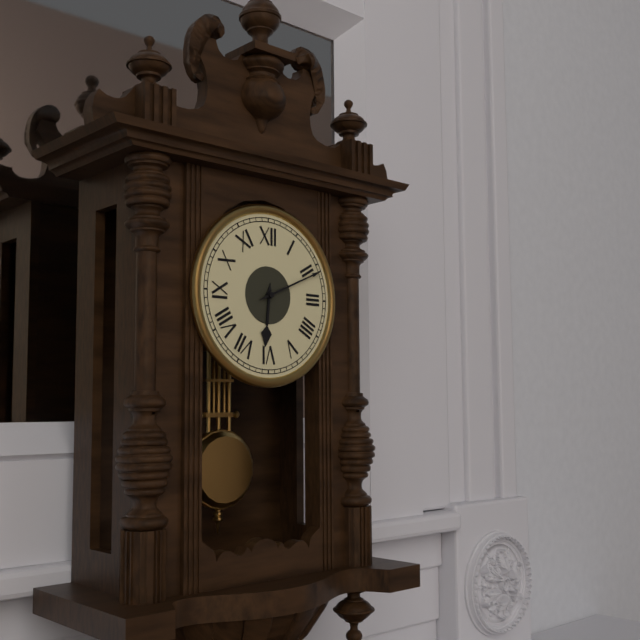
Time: **6:11**
